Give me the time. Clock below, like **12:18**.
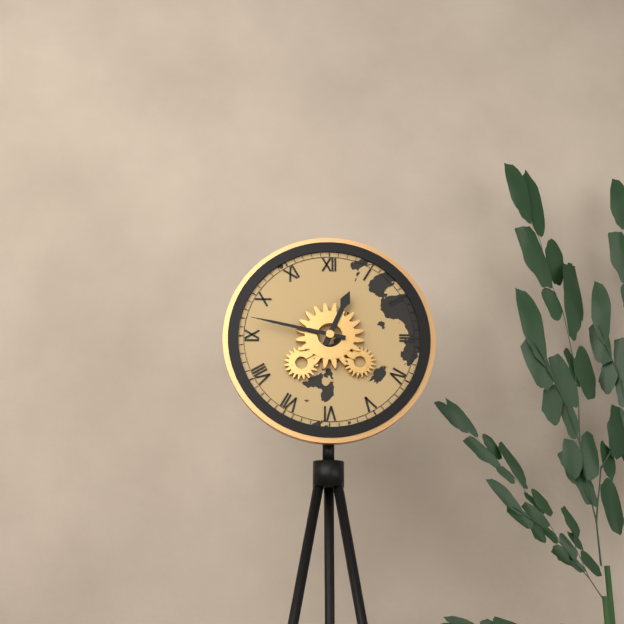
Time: **12:47**
